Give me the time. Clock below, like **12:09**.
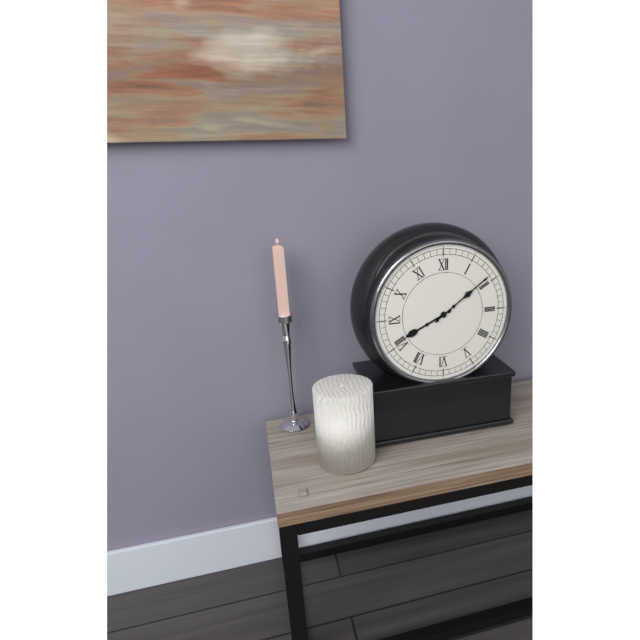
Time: **8:09**
